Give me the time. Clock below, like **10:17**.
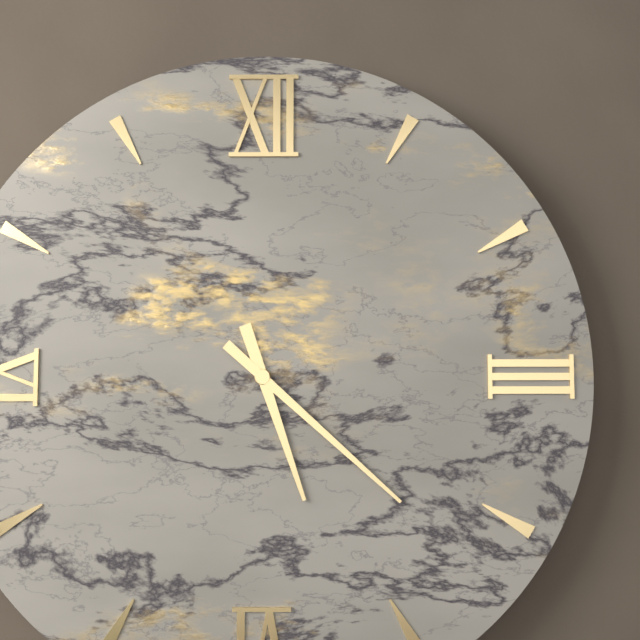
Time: **5:22**
